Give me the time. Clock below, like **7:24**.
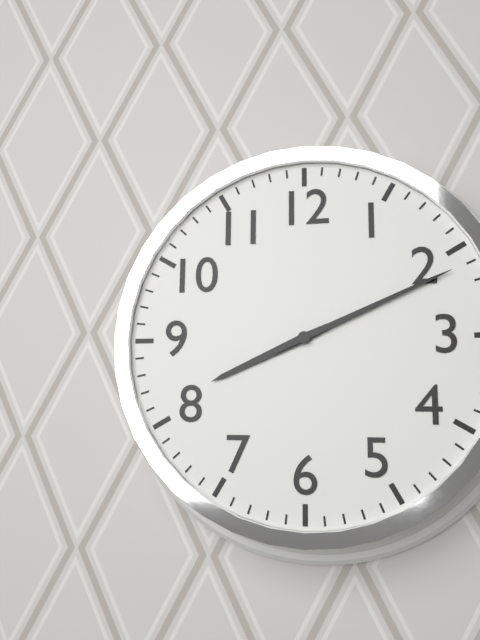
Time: **8:11**
